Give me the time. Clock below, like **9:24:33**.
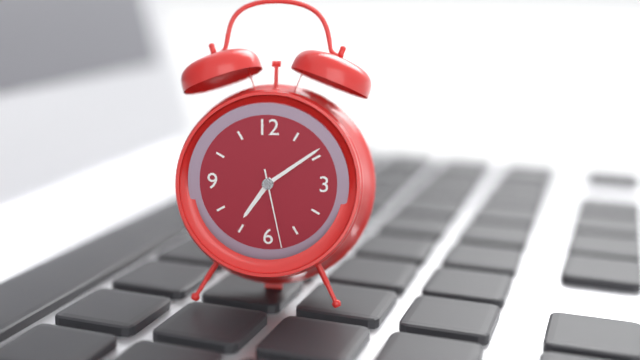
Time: **7:09:28**
